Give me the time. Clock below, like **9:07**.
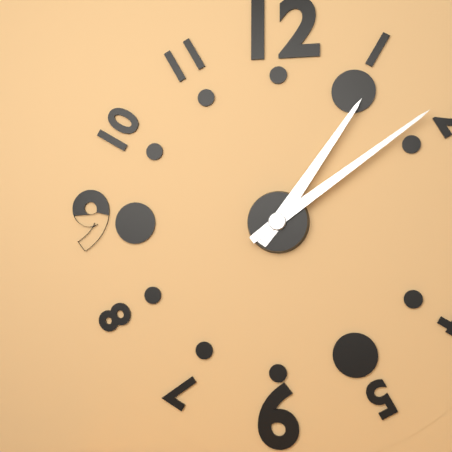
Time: **1:09**
